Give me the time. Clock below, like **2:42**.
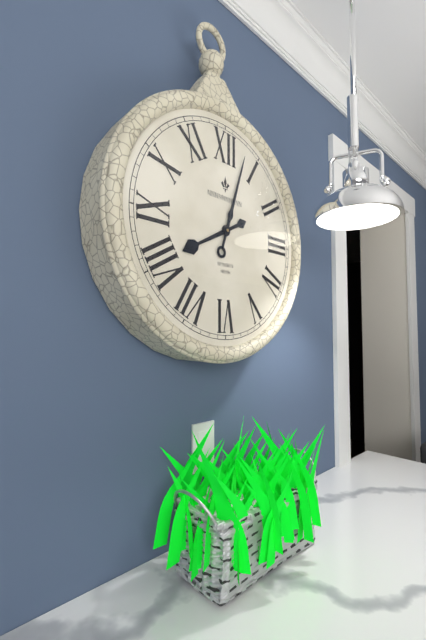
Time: **8:03**
